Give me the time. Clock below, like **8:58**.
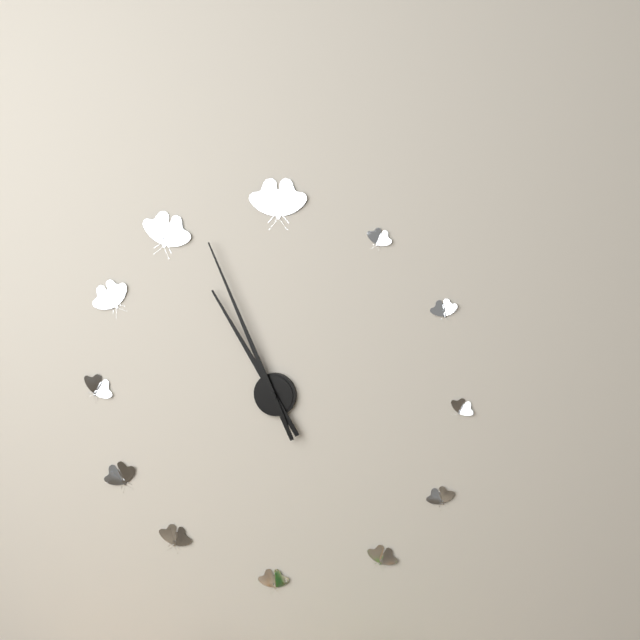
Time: **10:56**
